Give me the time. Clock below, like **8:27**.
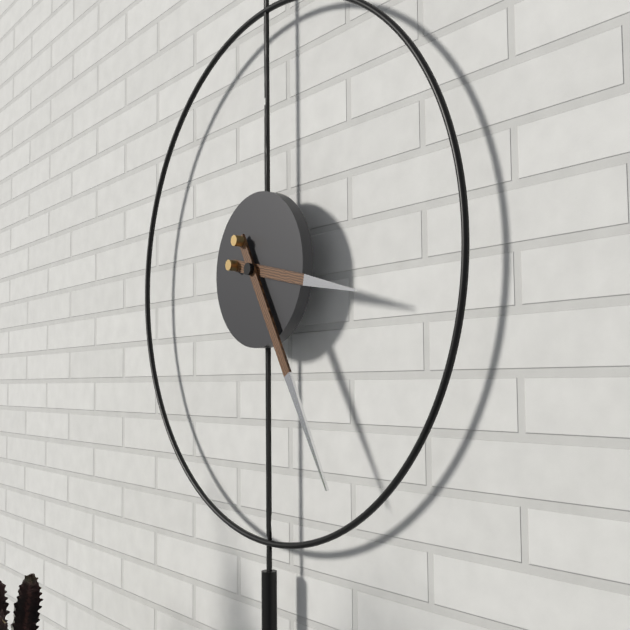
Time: **3:25**
